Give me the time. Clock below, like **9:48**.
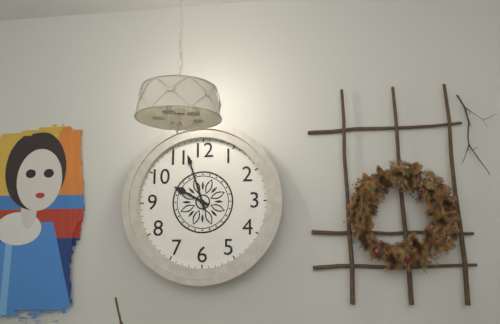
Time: **9:57**
